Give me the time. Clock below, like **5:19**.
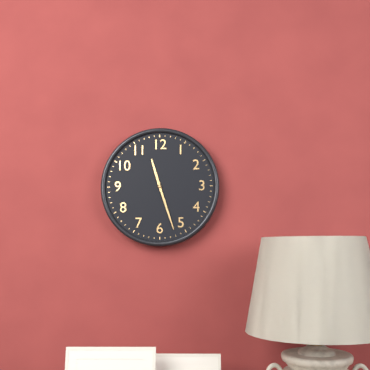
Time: **11:27**
